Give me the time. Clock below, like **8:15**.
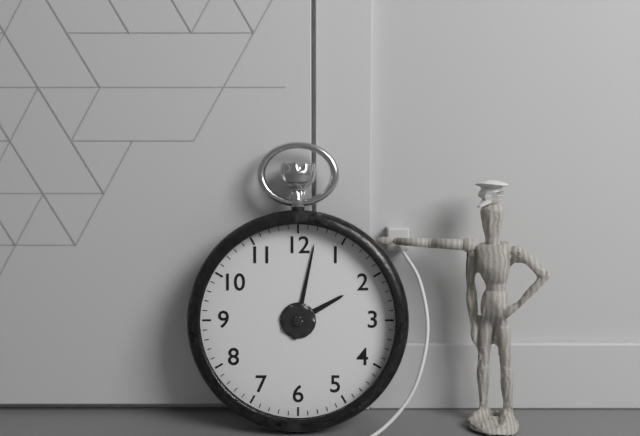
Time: **2:02**
